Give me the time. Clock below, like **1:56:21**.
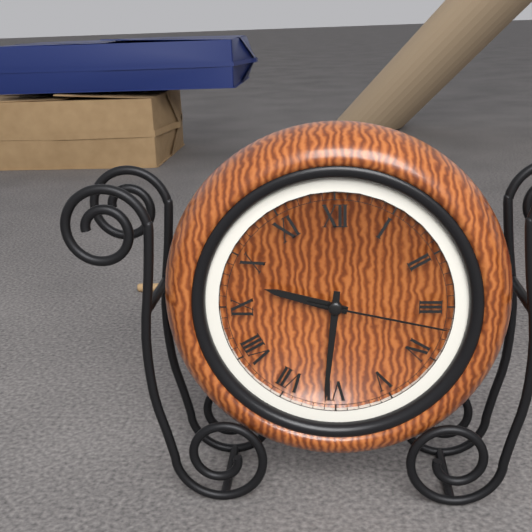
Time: **9:31:17**
